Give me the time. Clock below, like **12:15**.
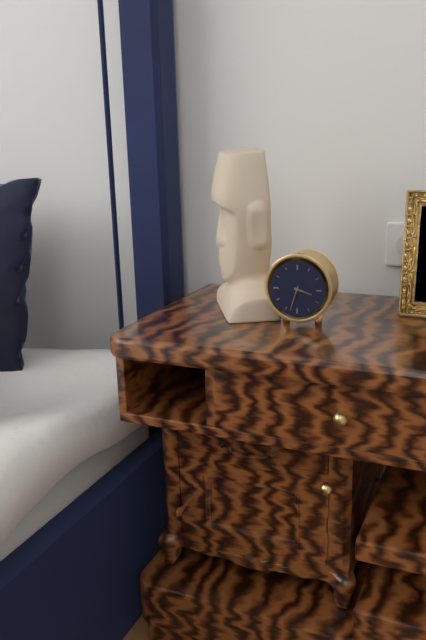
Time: **3:33**
